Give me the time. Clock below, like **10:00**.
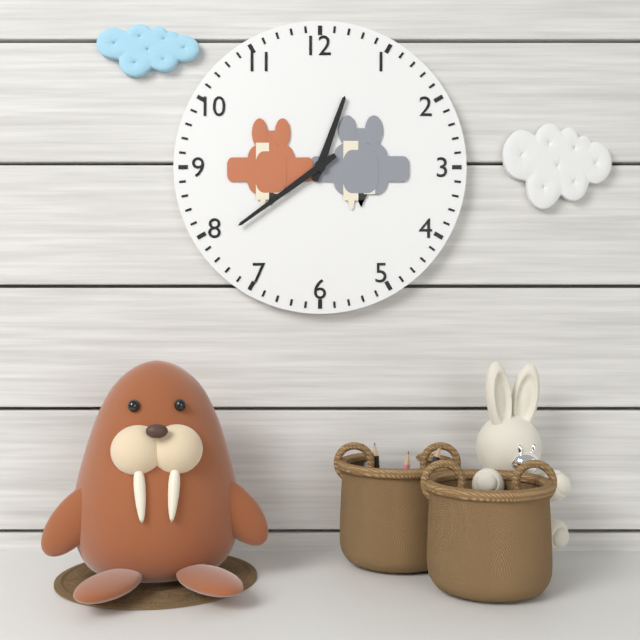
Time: **12:39**
